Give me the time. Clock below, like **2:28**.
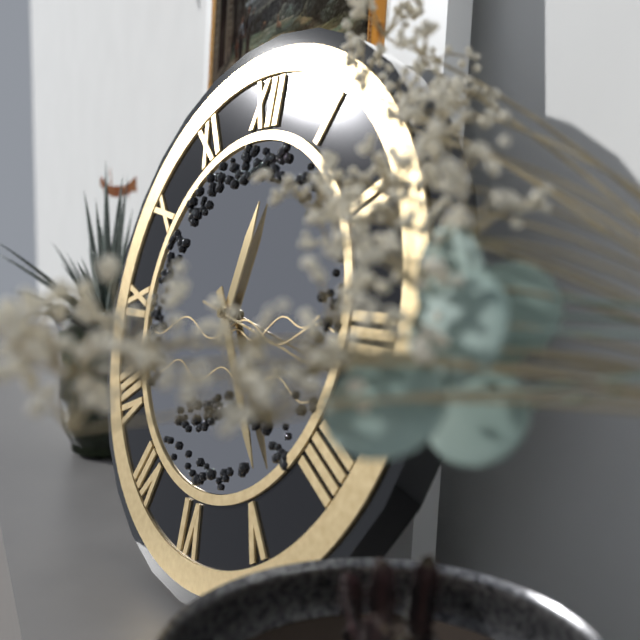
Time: **12:24**
